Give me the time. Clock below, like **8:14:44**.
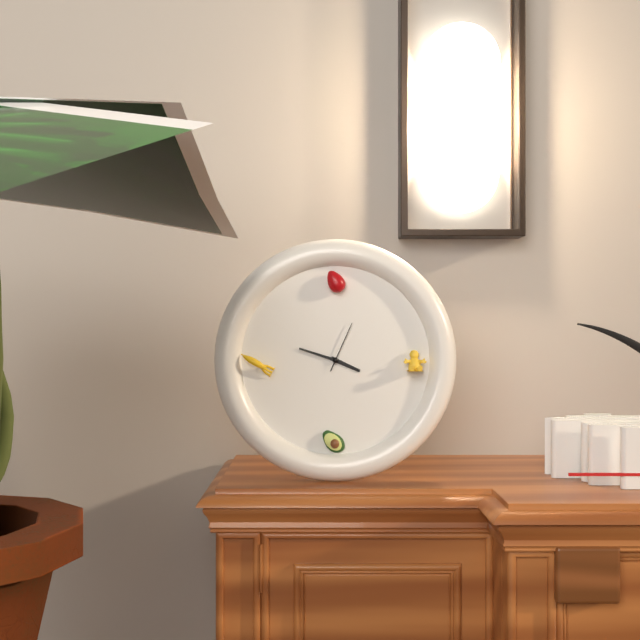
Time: **3:48:04**
